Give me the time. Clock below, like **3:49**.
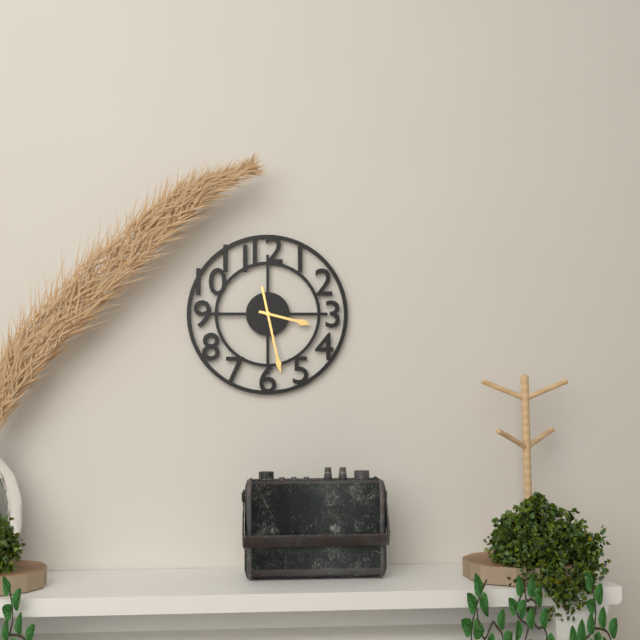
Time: **3:28**
